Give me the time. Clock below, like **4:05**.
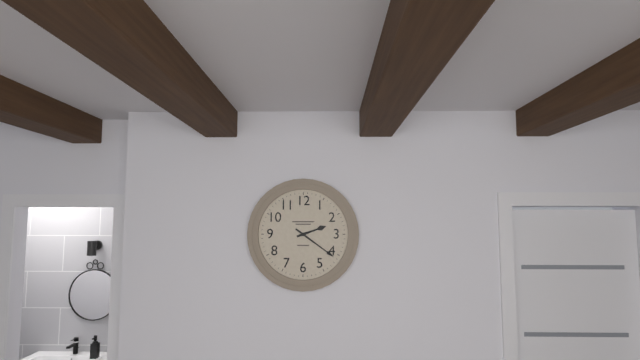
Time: **2:21**
